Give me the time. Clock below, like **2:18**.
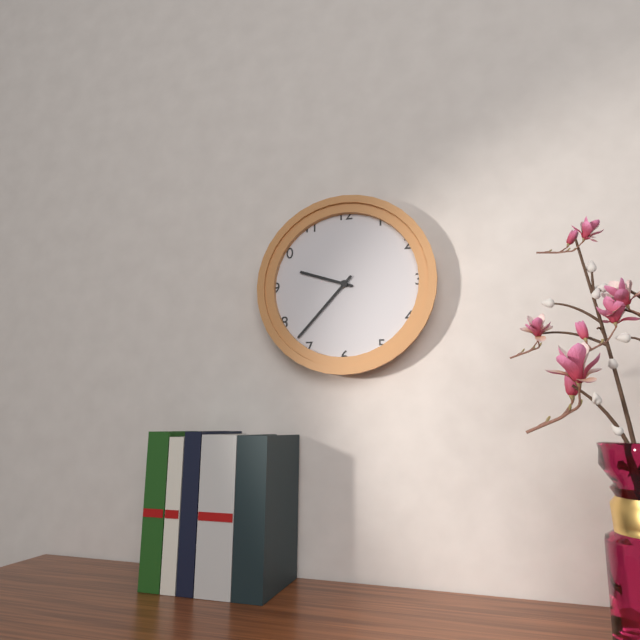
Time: **9:37**
